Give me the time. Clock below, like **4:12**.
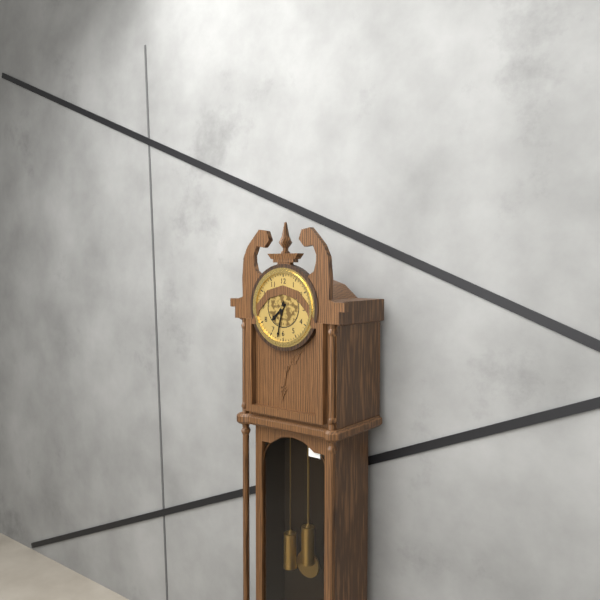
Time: **7:32**
